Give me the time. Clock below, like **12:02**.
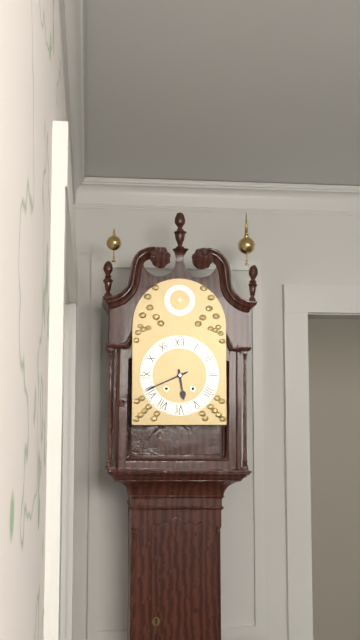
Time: **5:41**
